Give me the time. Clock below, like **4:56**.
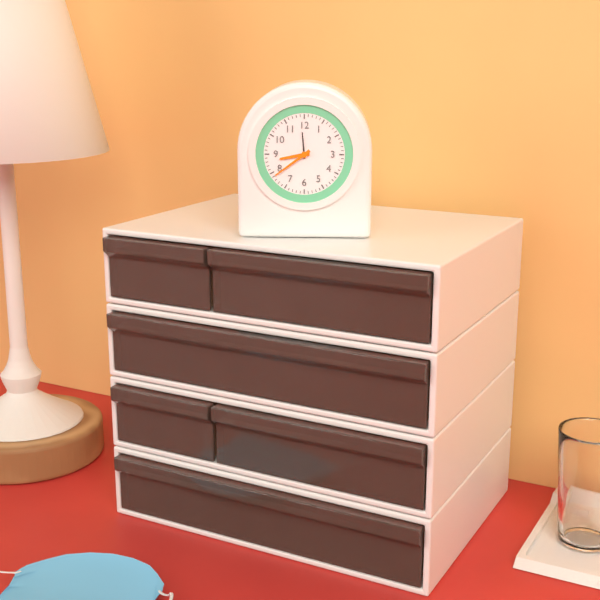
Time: **8:39**
